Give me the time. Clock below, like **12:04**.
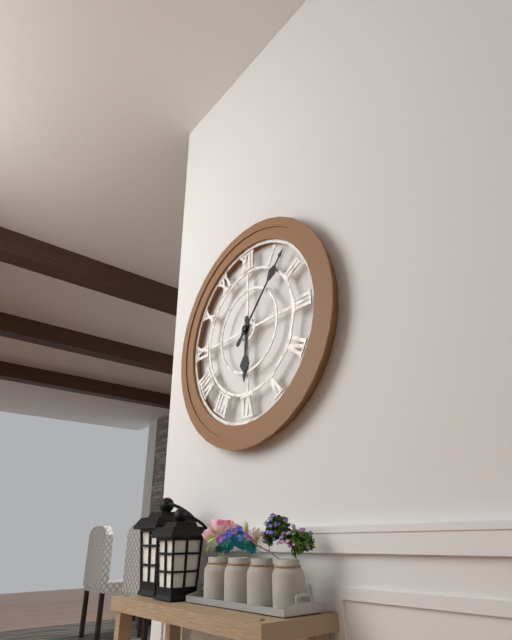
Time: **6:07**
